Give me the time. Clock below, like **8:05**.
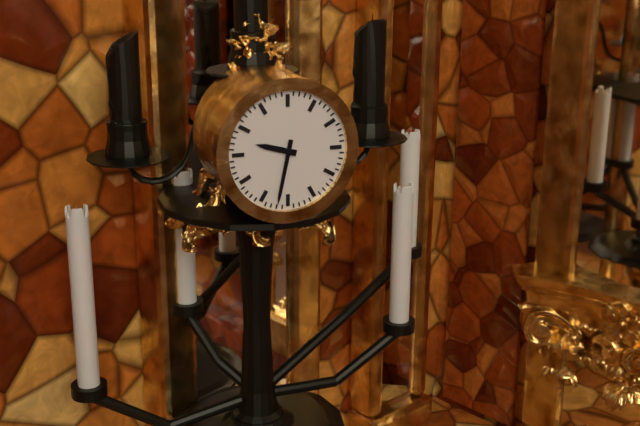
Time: **9:32**
